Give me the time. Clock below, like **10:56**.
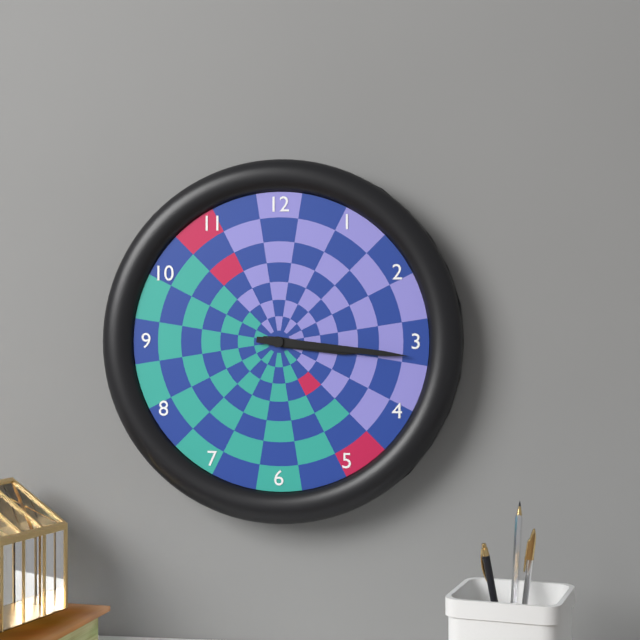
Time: **3:16**
